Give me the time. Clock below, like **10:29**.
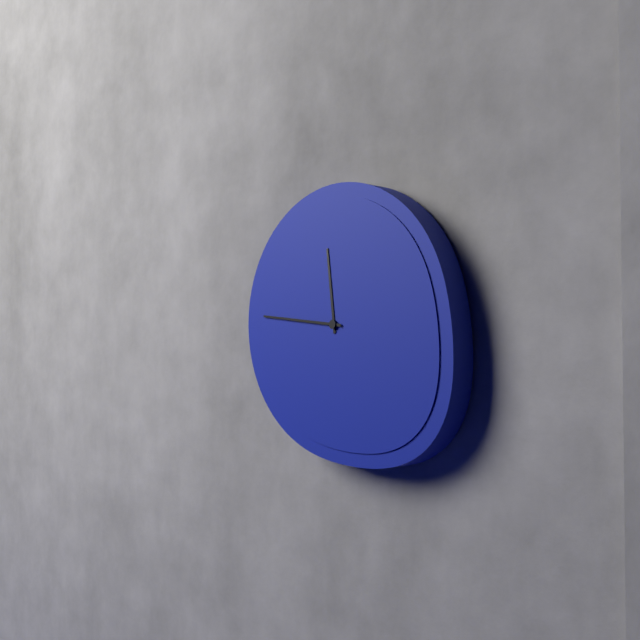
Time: **11:46**
